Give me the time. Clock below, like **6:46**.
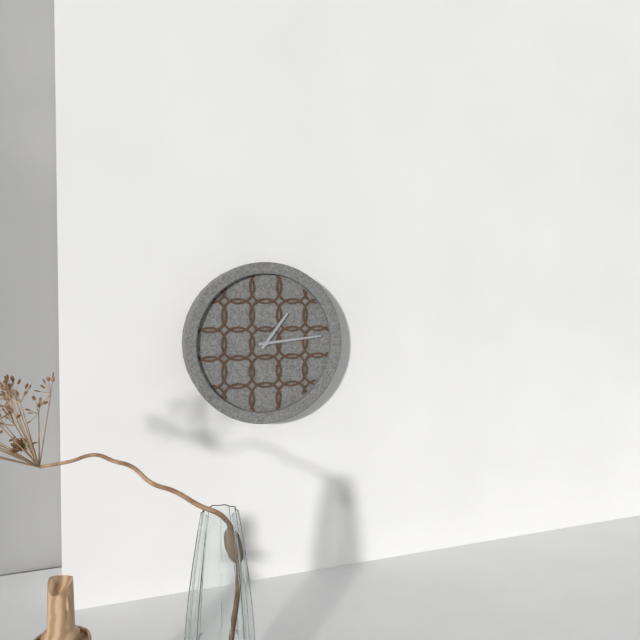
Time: **1:14**
